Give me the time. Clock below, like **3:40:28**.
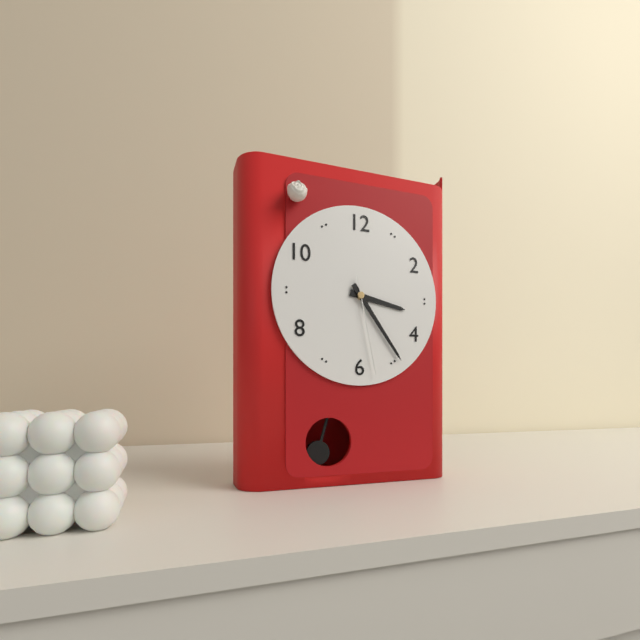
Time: **3:24:28**
